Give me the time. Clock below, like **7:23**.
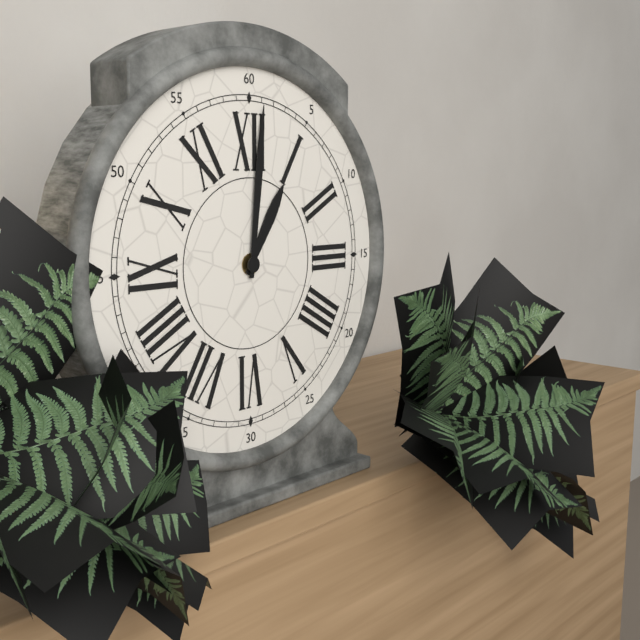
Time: **1:01**
